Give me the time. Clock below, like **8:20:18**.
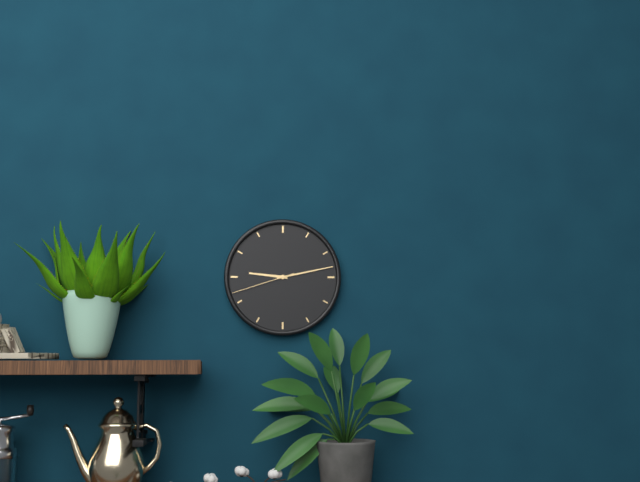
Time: **9:13:42**
